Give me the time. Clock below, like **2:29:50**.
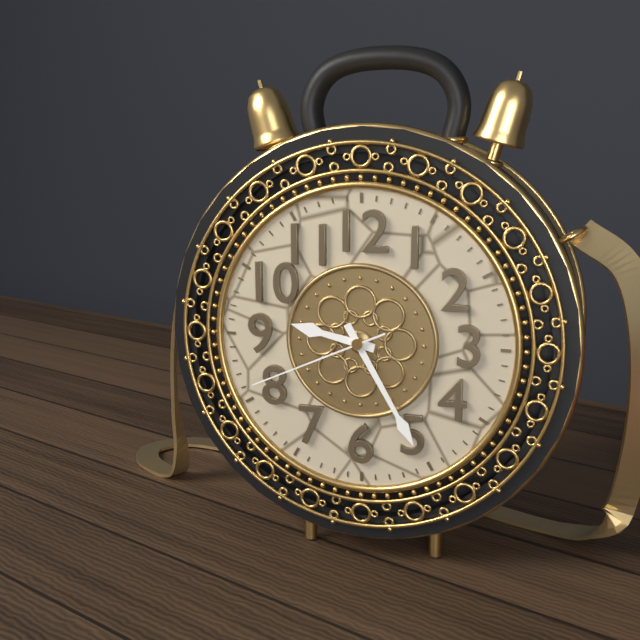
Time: **9:25:41**
